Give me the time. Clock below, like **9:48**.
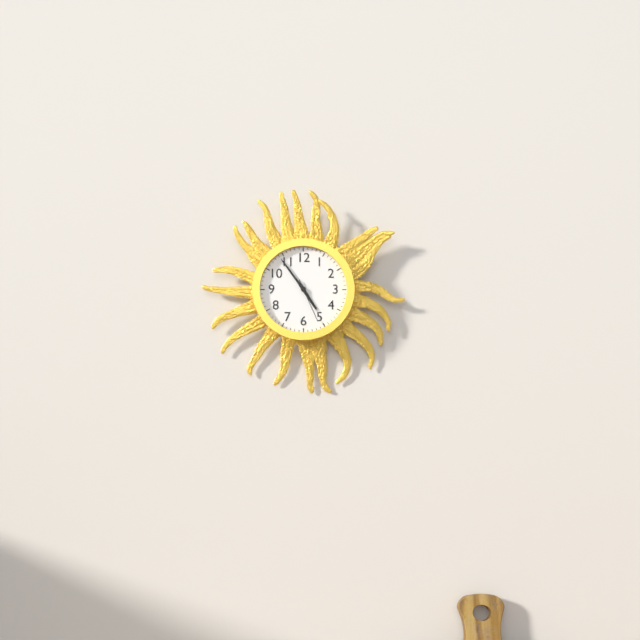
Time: **4:54**
